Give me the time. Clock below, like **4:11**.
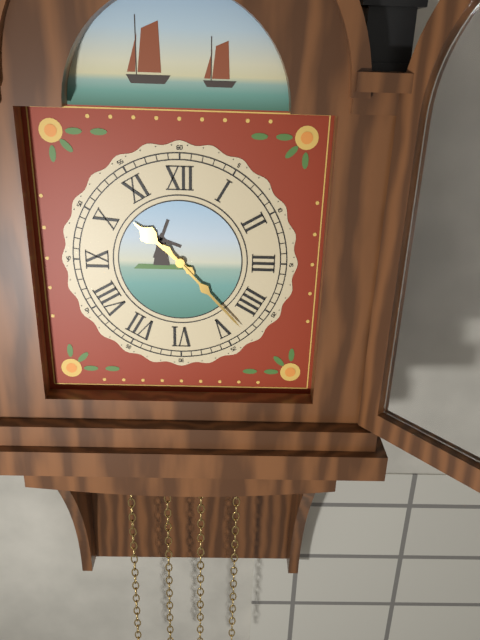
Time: **10:23**
